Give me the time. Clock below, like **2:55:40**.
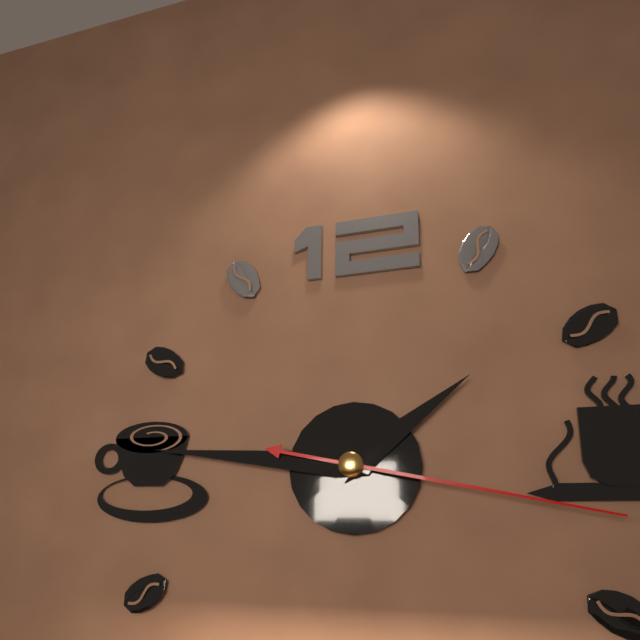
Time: **1:46:17**
